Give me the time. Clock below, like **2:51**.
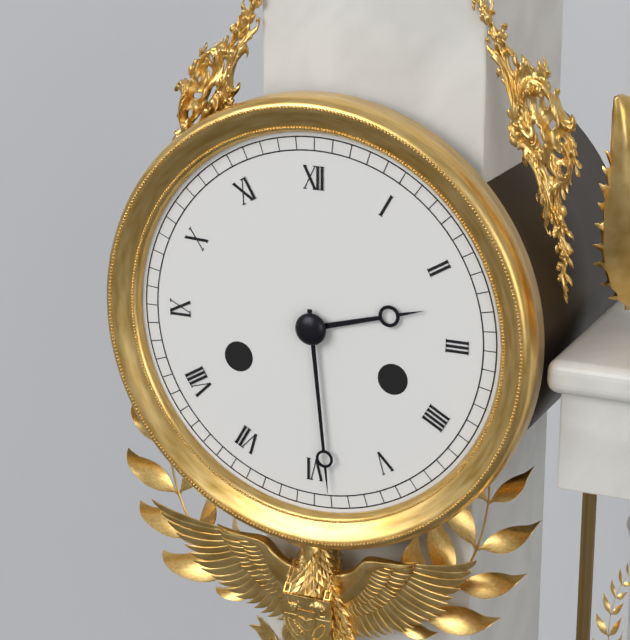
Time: **2:29**
